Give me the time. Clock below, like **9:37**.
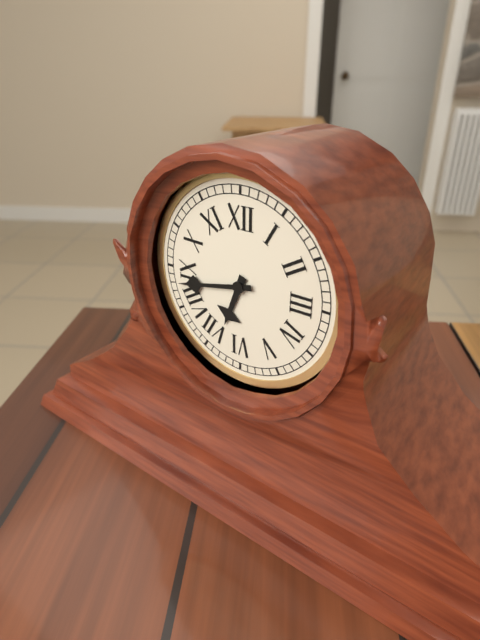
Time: **6:43**
